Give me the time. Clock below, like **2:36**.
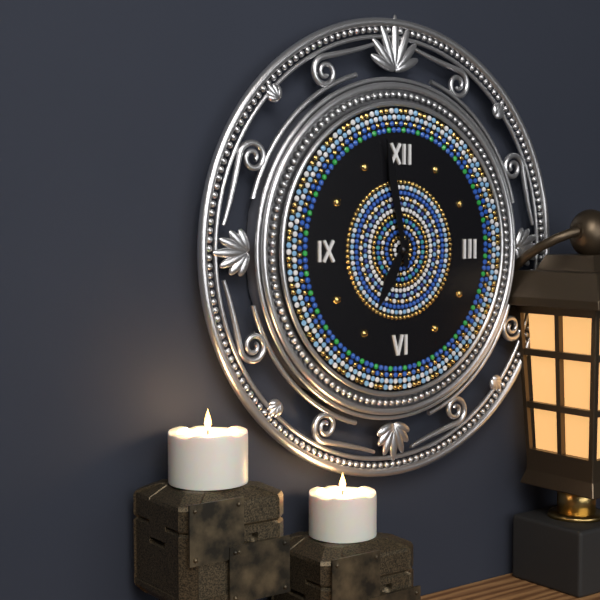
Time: **6:58**
